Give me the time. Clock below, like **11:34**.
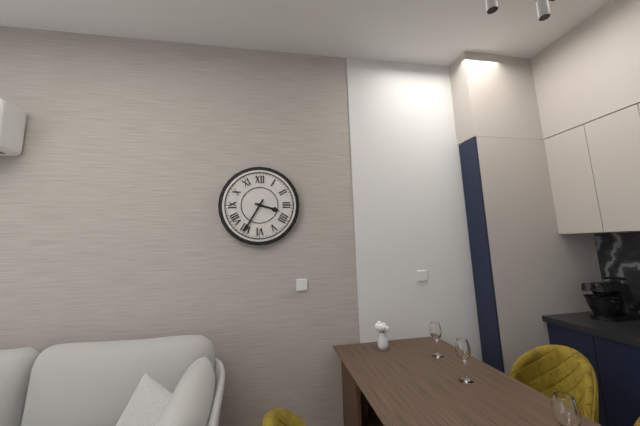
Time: **3:35**
